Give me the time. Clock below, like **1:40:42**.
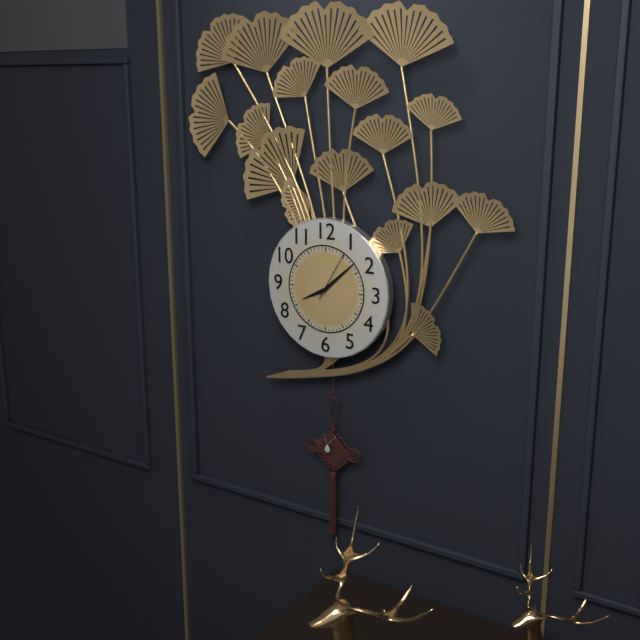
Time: **8:08:05**
